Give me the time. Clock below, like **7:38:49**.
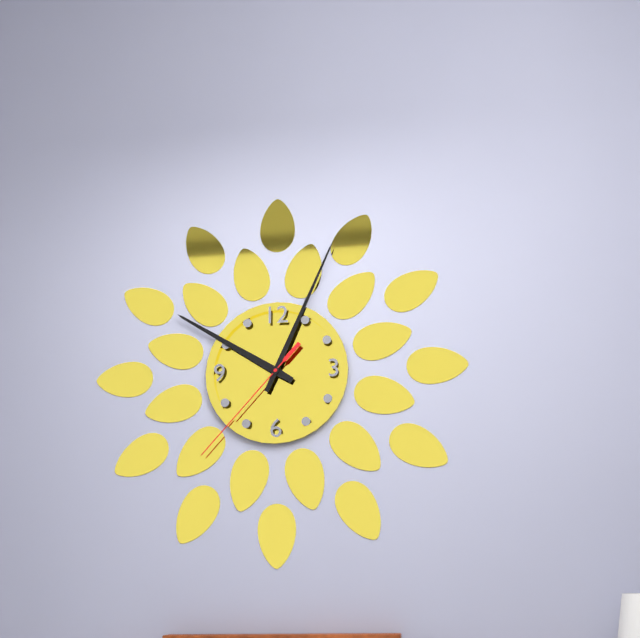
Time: **10:04:37**
